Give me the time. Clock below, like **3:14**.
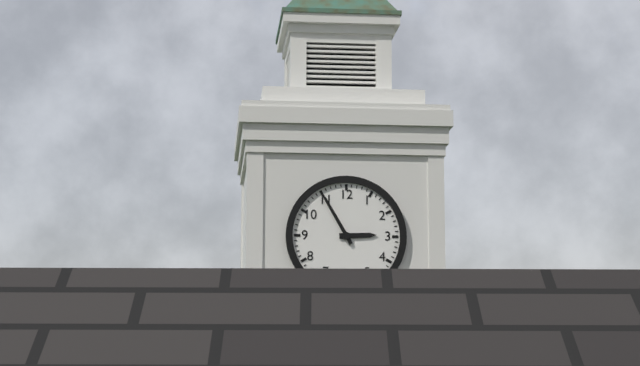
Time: **2:55**
